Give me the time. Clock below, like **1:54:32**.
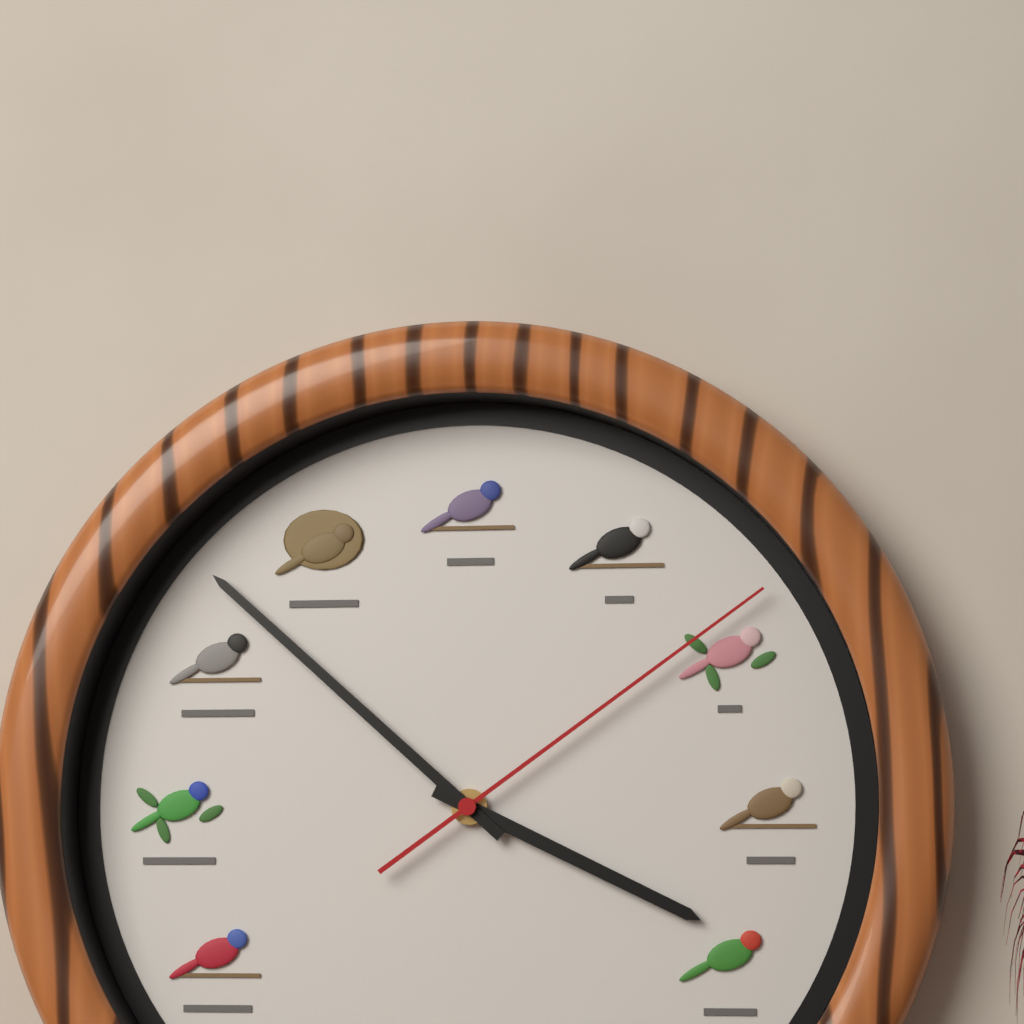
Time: **3:52:09**
